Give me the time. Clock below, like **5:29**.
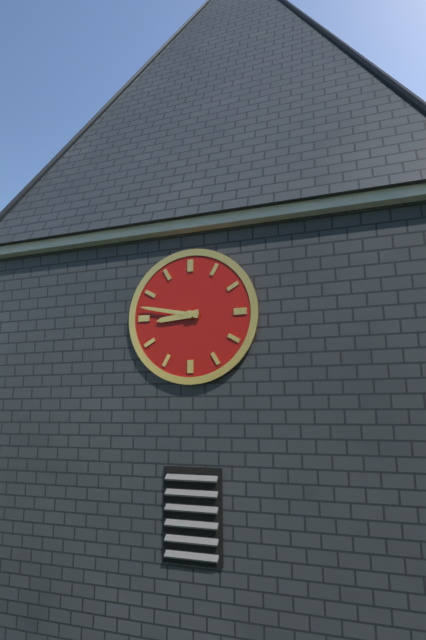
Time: **8:47**
